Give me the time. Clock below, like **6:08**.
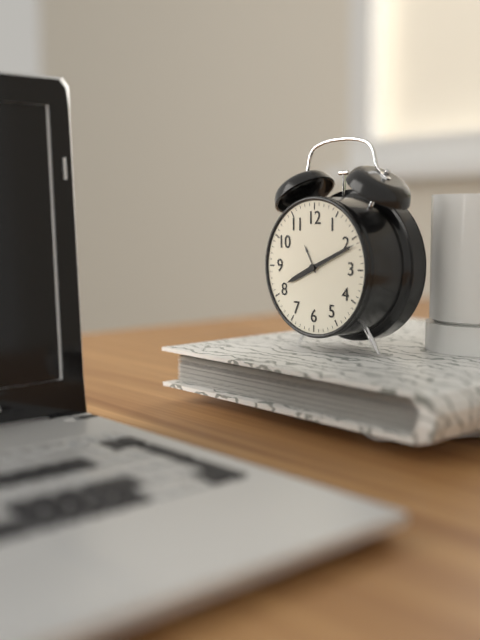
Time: **8:11**
